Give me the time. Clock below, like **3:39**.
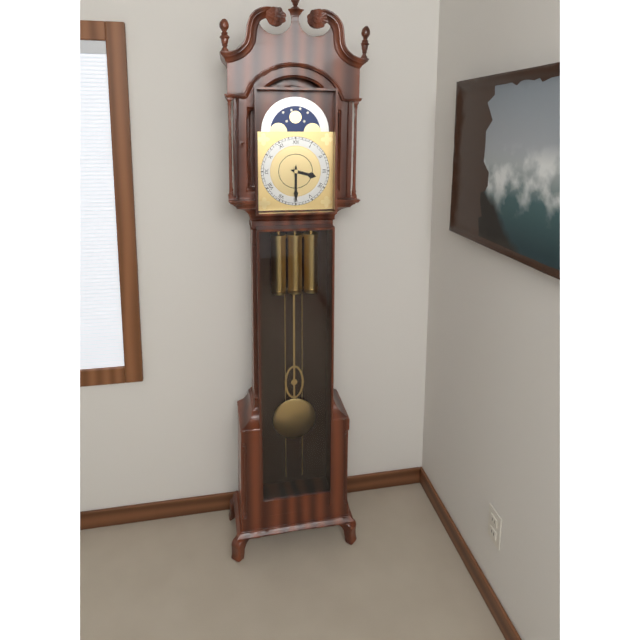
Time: **3:30**
